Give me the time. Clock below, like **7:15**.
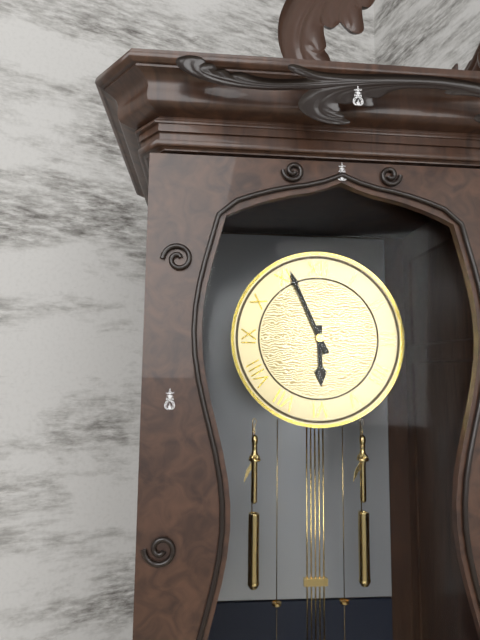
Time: **5:56**
